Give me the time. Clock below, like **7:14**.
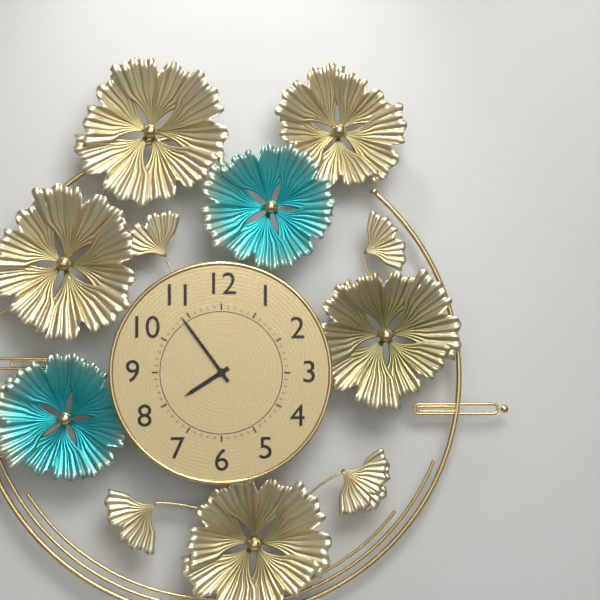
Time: **7:54**
